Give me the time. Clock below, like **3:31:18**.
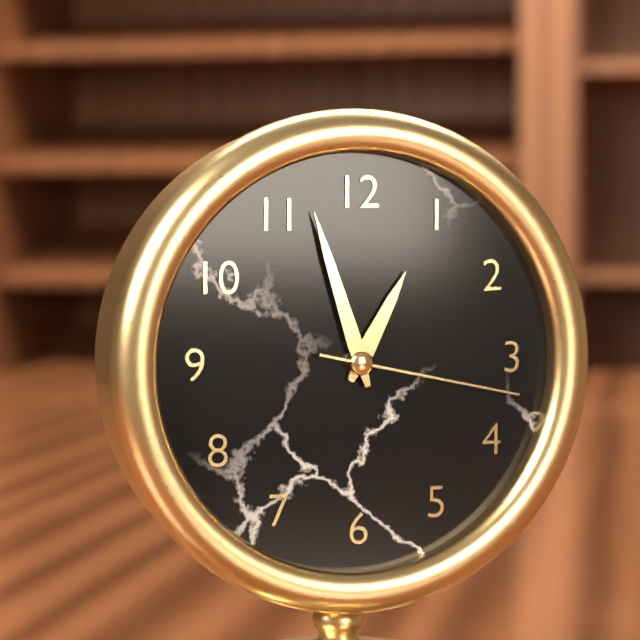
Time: **12:57:17**
